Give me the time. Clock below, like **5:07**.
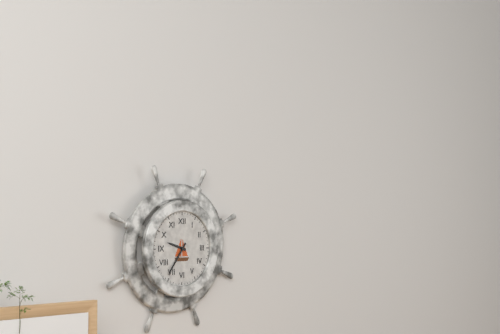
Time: **9:36**
